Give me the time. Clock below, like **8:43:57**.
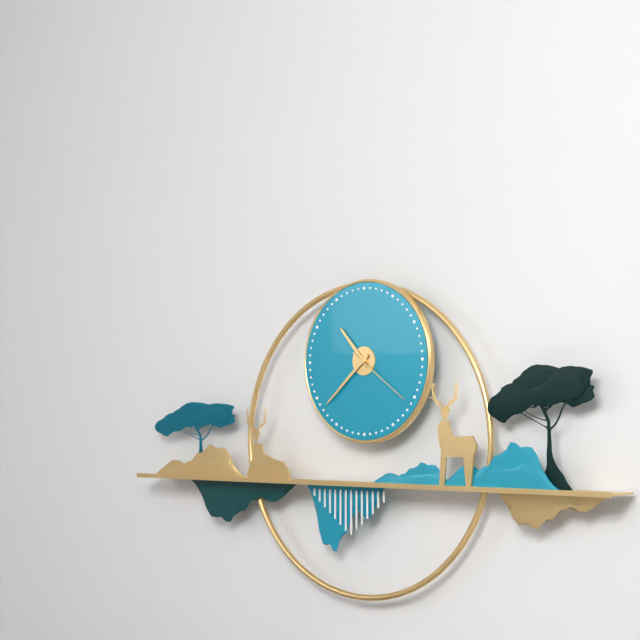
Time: **10:38:21**
